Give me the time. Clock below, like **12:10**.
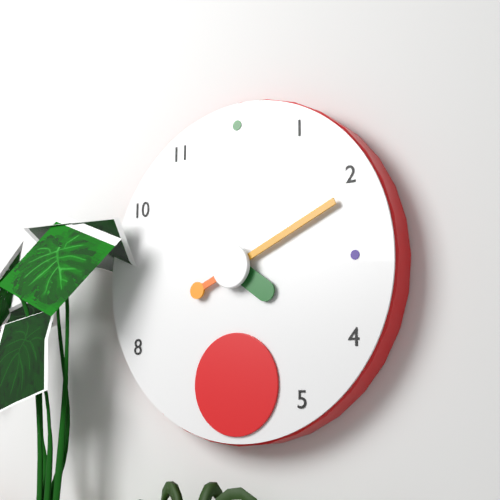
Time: **4:11**
